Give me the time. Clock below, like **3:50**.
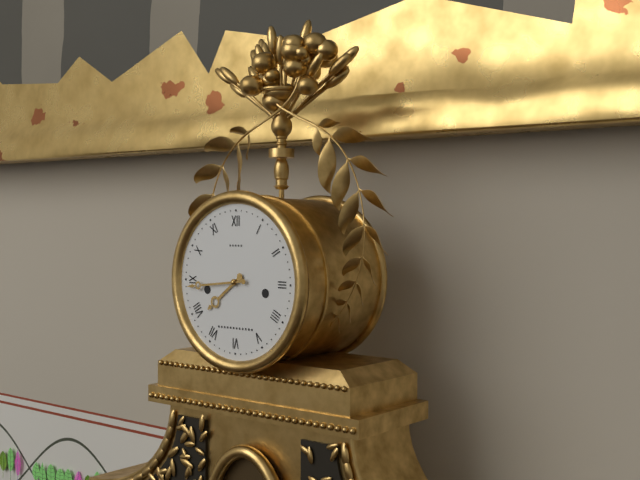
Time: **7:44**
